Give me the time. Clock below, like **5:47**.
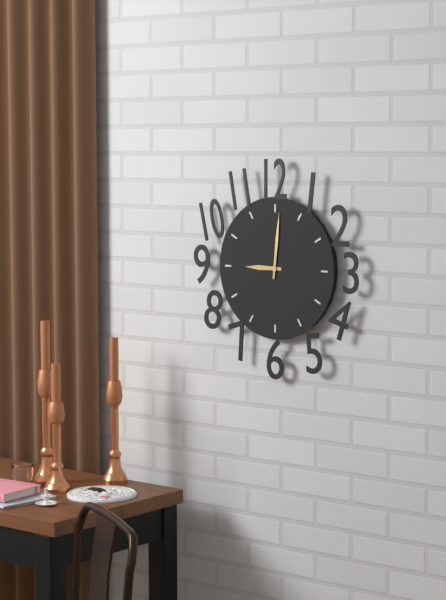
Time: **9:01**
